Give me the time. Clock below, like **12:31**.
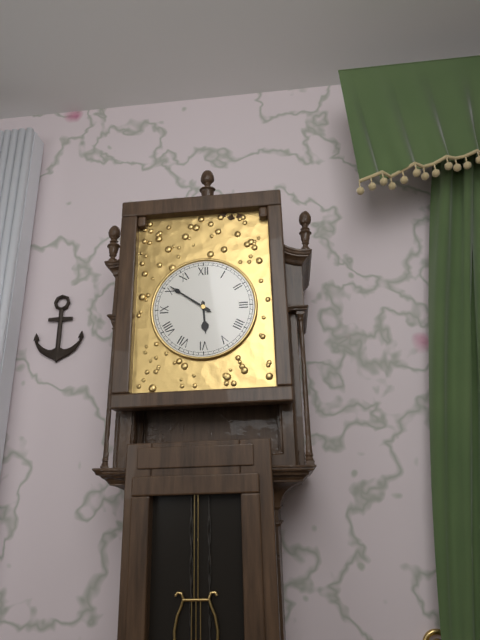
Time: **5:51**
